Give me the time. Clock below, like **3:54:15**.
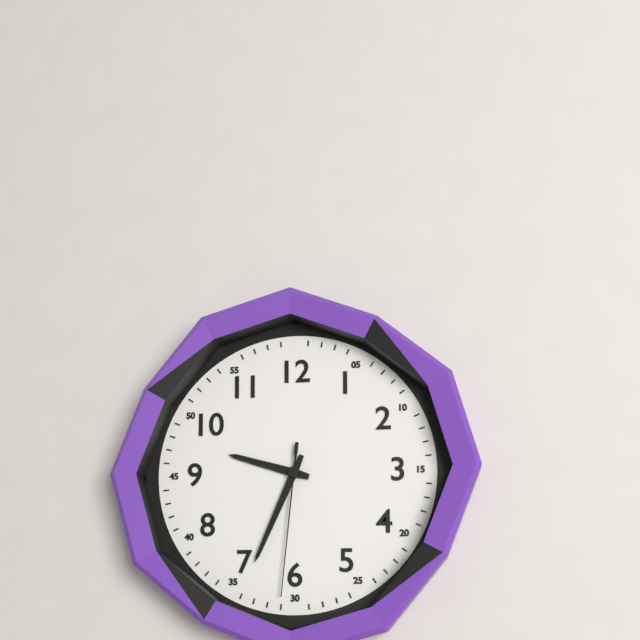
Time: **9:34:31**
